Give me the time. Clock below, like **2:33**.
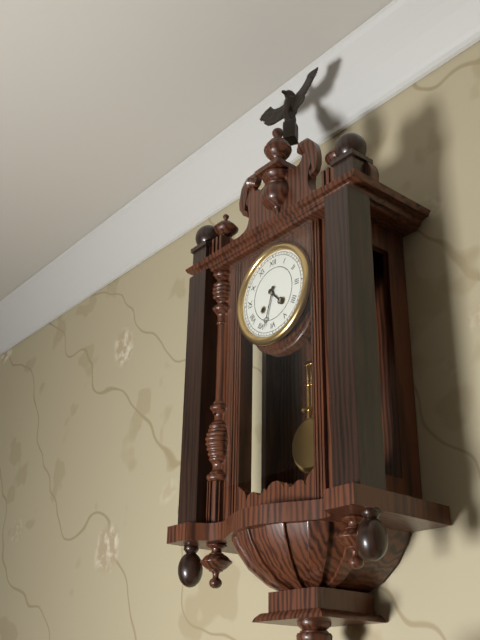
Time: **4:33**
